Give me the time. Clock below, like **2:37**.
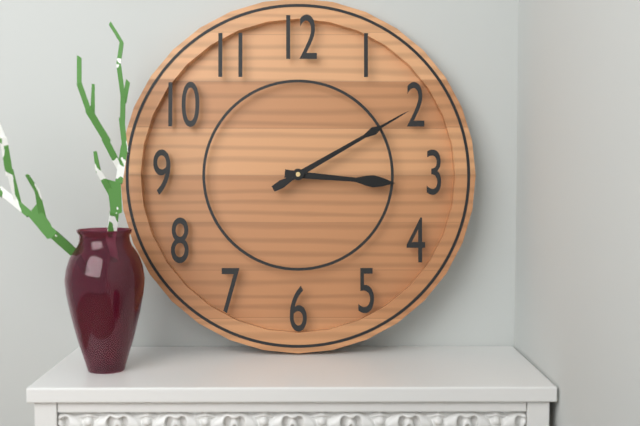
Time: **3:10**
